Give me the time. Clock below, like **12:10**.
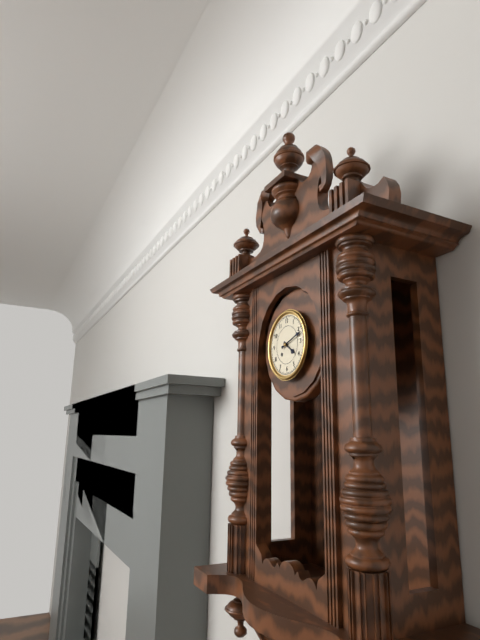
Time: **4:12**
